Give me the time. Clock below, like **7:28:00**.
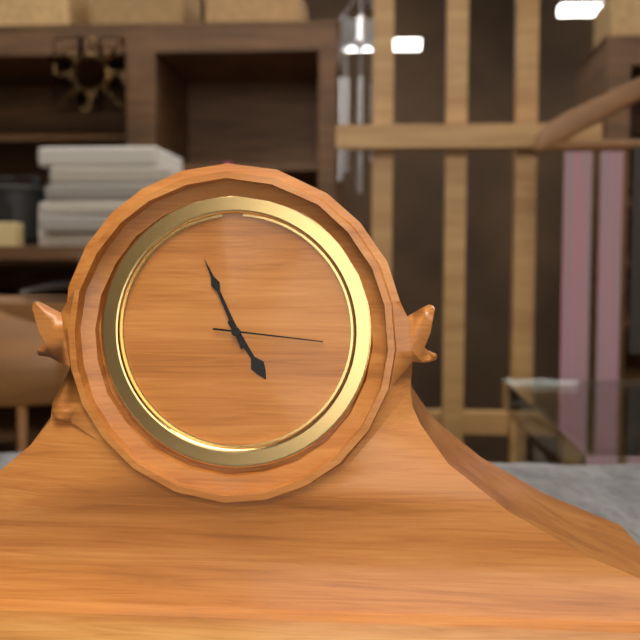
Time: **4:56:16**
